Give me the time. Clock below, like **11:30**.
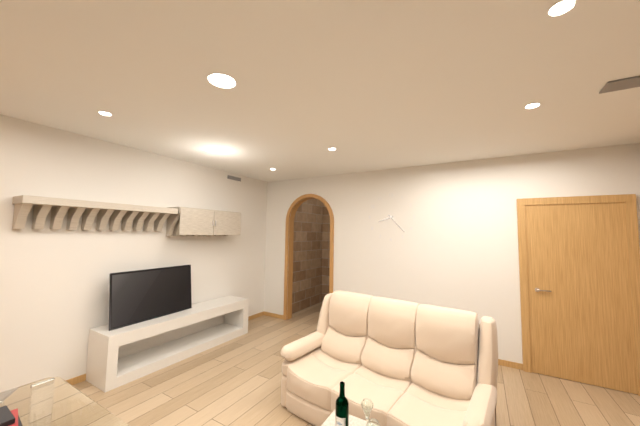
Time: **8:23**
